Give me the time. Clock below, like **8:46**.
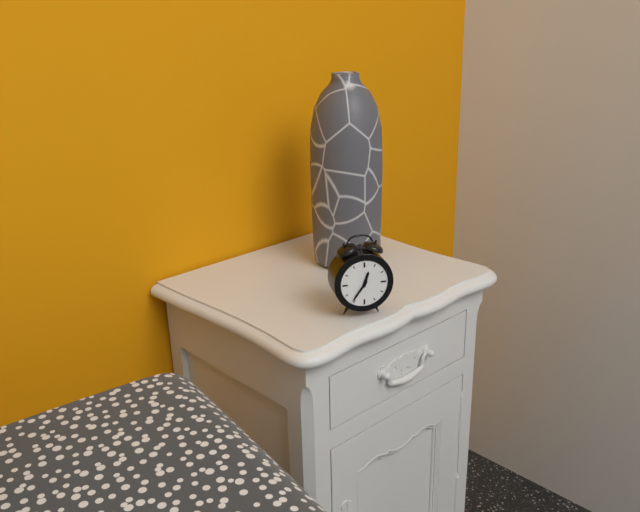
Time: **12:36**
